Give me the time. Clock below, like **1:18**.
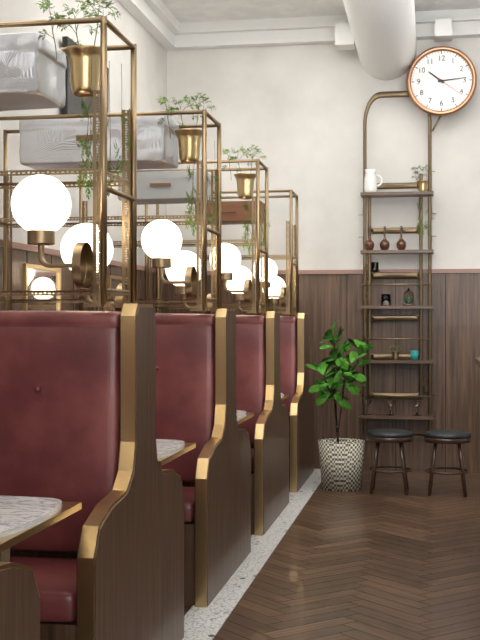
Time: **10:14**
